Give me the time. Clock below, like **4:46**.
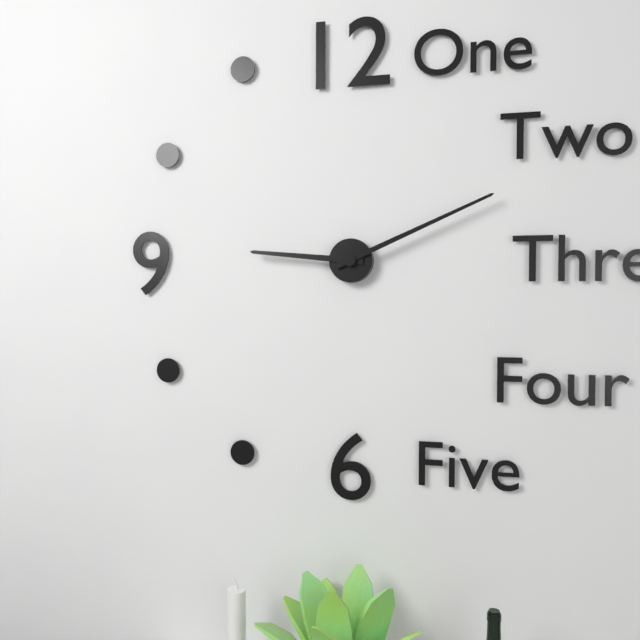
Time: **9:11**
